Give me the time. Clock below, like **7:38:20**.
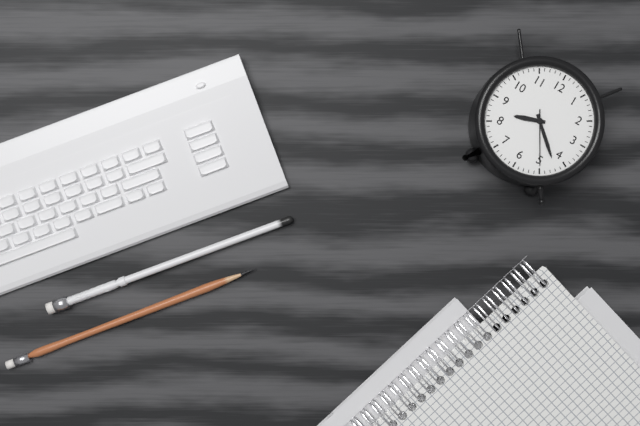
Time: **8:22:25**
